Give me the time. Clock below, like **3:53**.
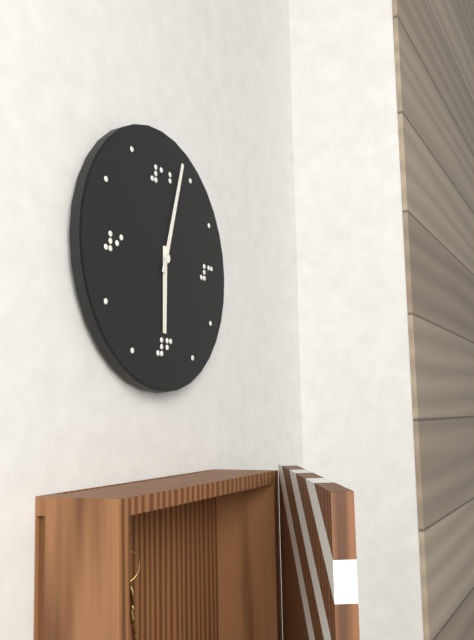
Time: **6:03**
